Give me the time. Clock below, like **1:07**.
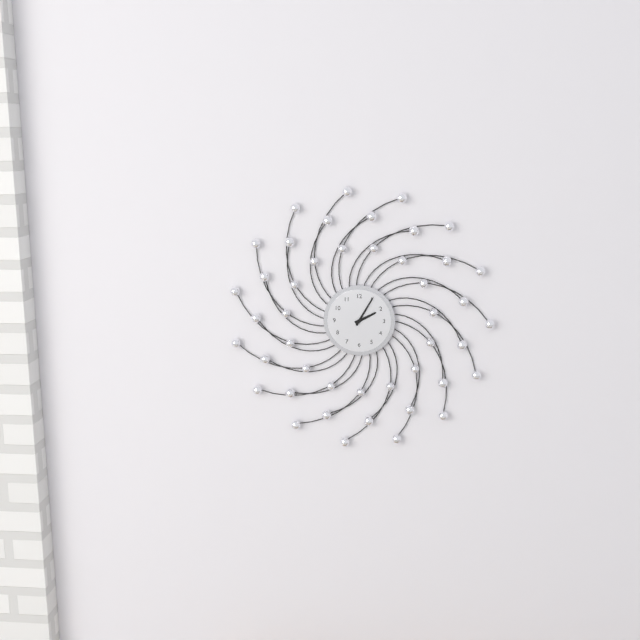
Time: **2:05**
